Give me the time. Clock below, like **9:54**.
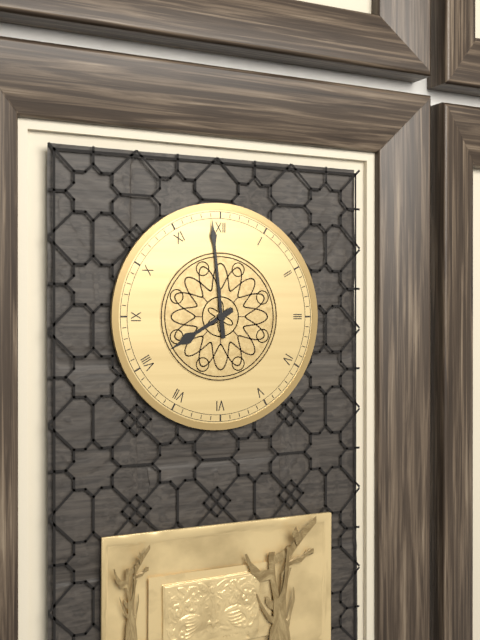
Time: **7:59**
